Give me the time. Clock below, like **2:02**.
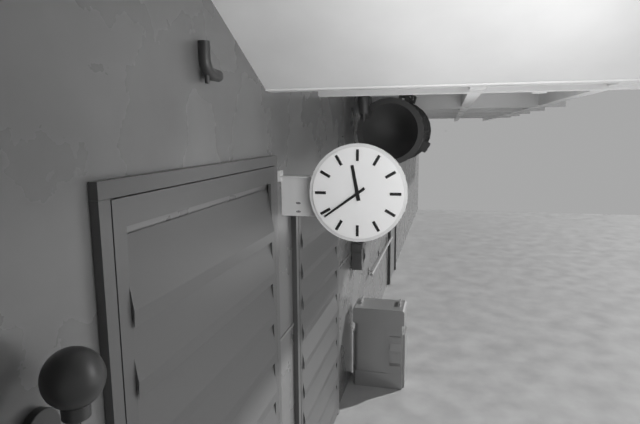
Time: **11:39**
